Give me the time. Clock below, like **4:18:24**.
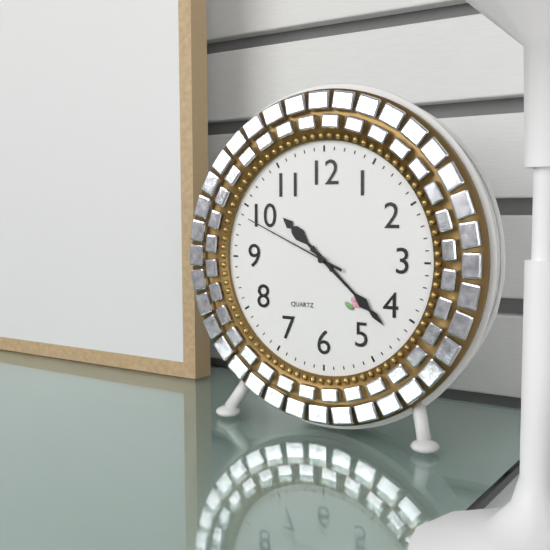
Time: **10:22:49**
